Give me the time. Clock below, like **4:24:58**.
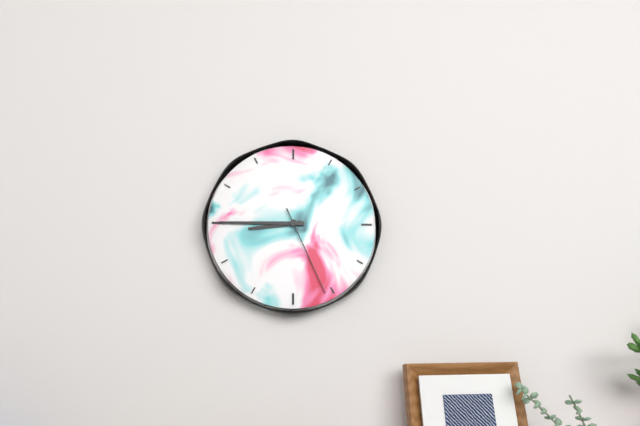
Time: **8:45:26**
